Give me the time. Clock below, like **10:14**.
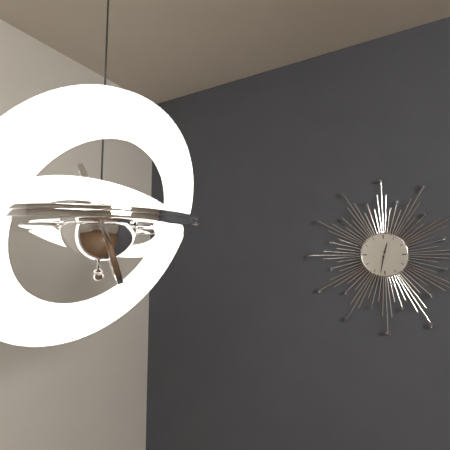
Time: **12:32**
